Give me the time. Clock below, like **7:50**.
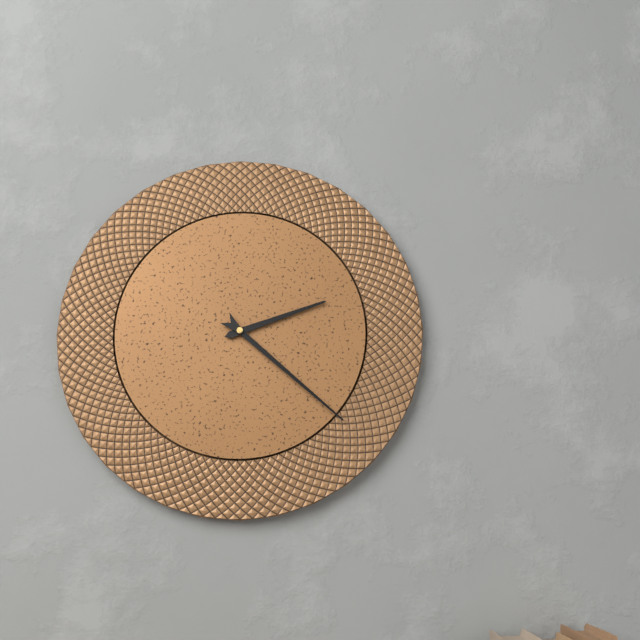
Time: **2:22**
